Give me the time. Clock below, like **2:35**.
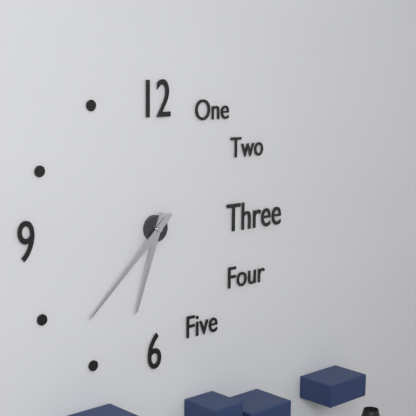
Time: **6:38**
